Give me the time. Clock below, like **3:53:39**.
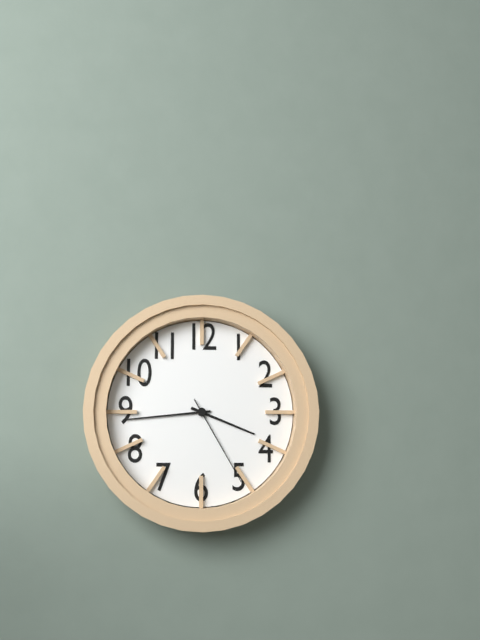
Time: **3:44:25**
